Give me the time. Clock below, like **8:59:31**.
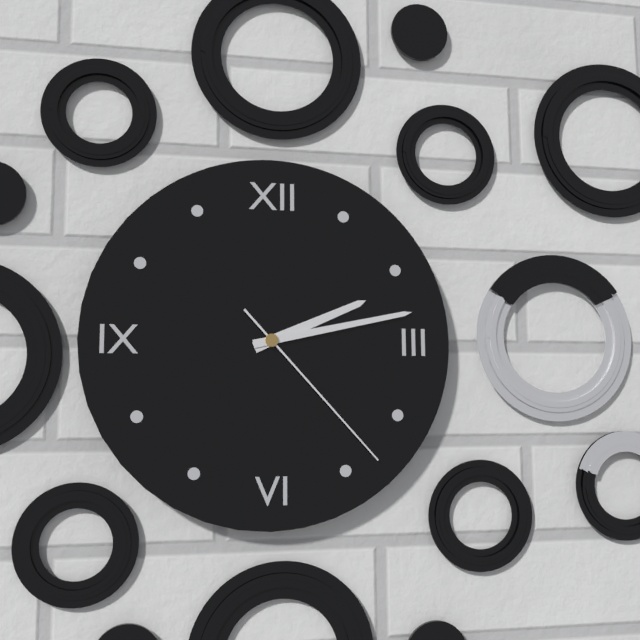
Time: **2:13:23**
